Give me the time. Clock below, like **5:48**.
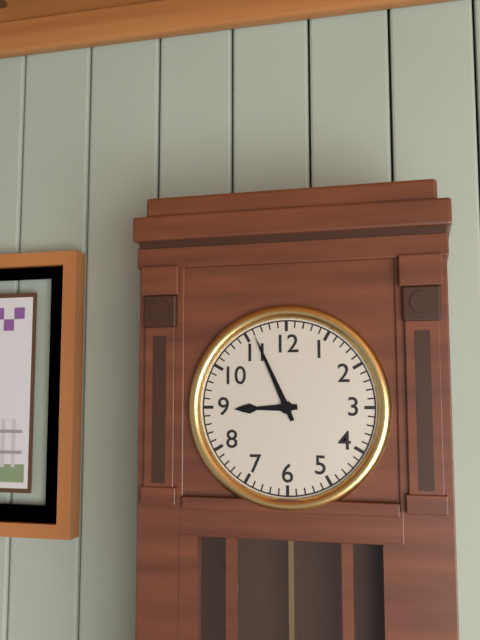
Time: **8:56**
